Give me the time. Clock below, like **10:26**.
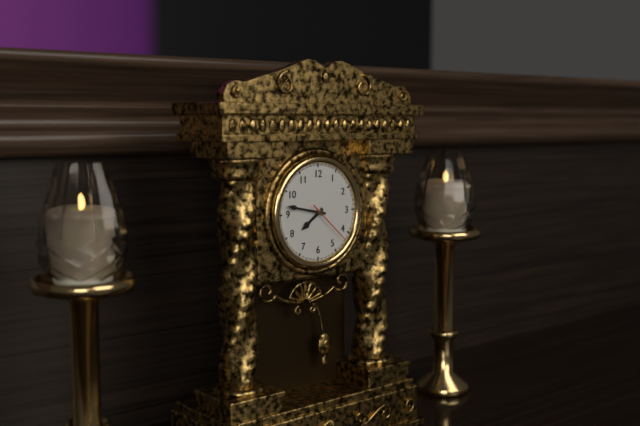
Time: **7:47**
